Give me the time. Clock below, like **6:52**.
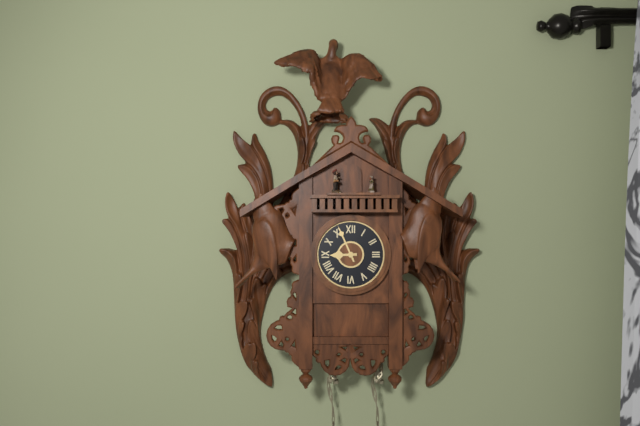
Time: **8:56**
